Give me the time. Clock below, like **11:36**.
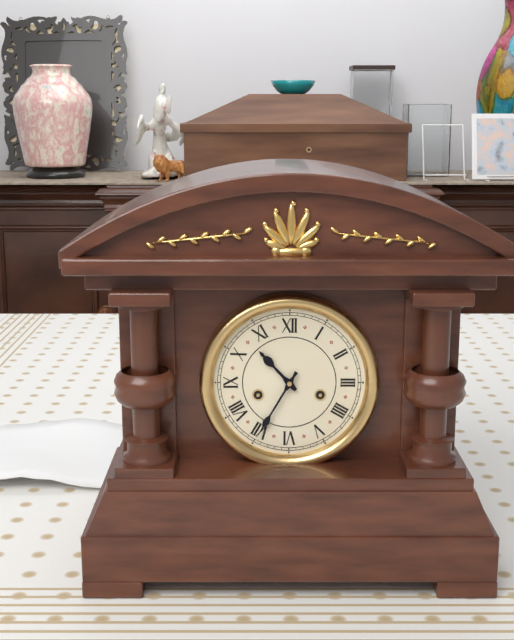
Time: **10:35**
